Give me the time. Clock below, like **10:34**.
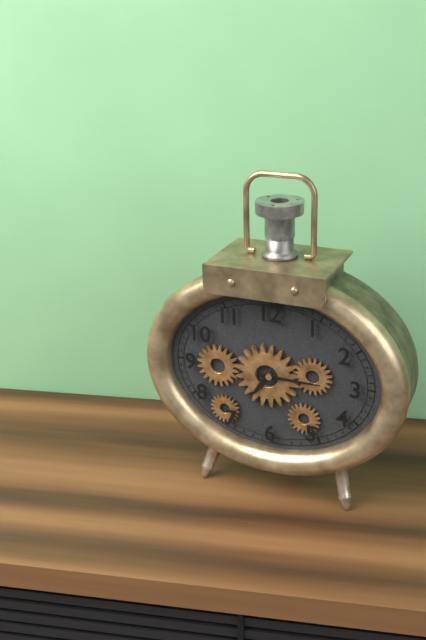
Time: **7:15**
